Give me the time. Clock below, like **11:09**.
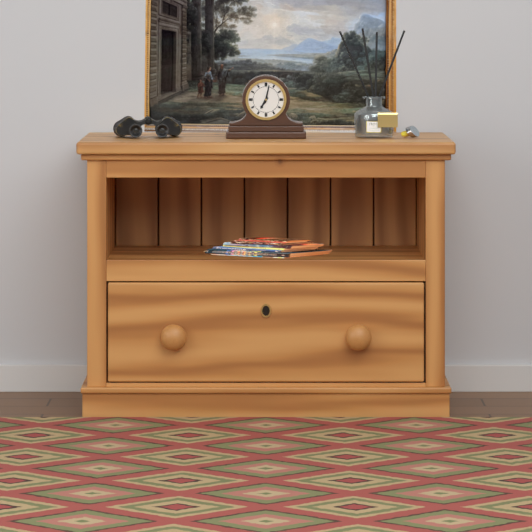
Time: **7:02**
